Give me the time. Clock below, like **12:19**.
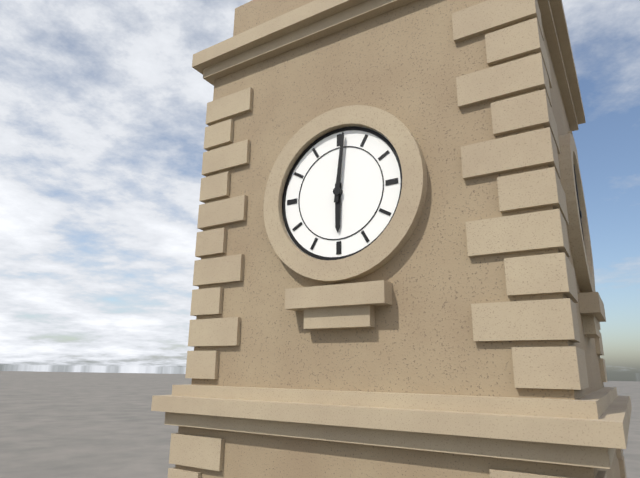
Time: **6:01**
